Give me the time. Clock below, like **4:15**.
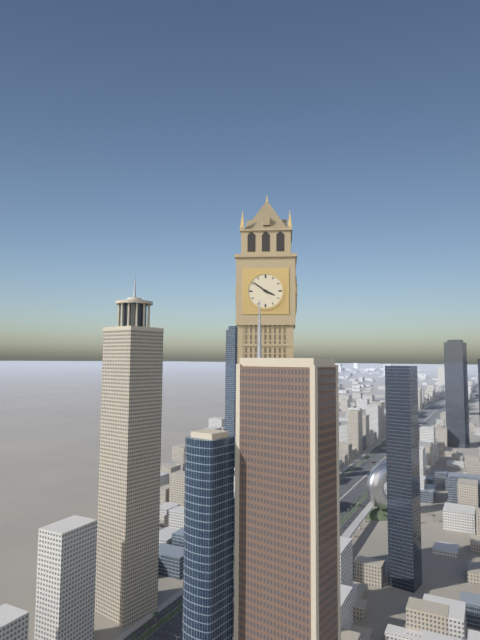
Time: **3:51**
